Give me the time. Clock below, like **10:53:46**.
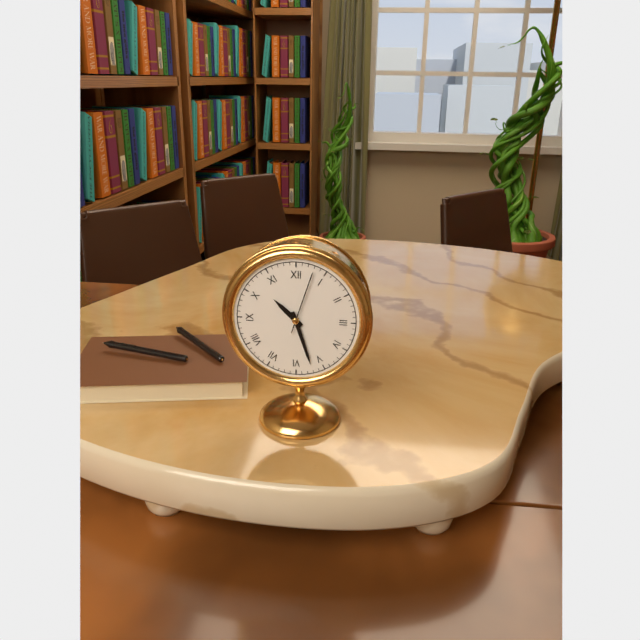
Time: **10:27:03**
